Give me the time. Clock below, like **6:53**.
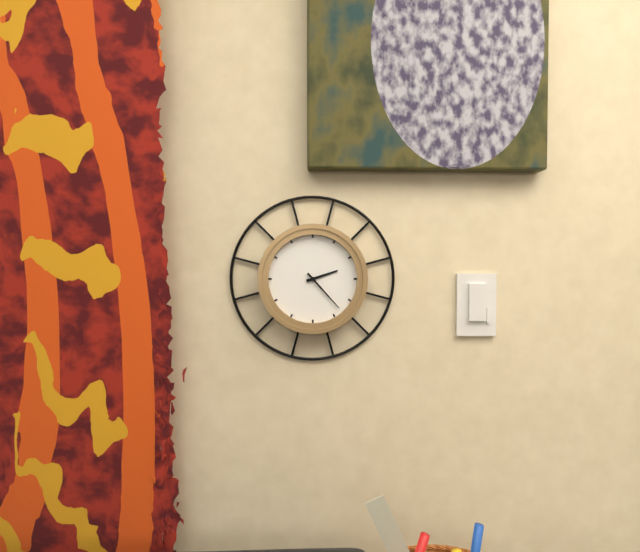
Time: **2:23**
